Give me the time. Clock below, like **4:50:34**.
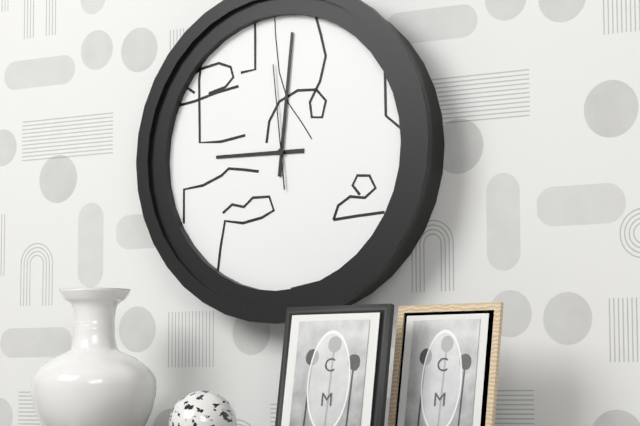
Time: **9:01:59**
